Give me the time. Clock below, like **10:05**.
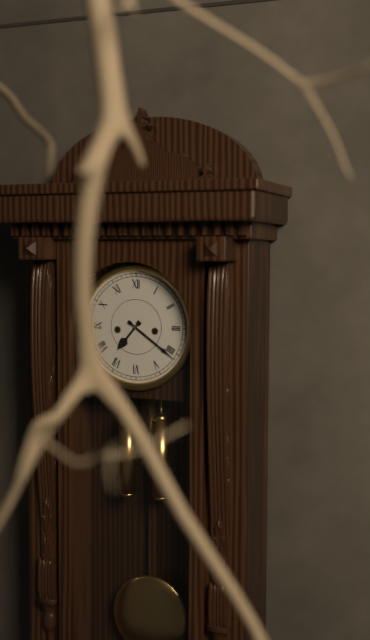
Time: **7:21**
